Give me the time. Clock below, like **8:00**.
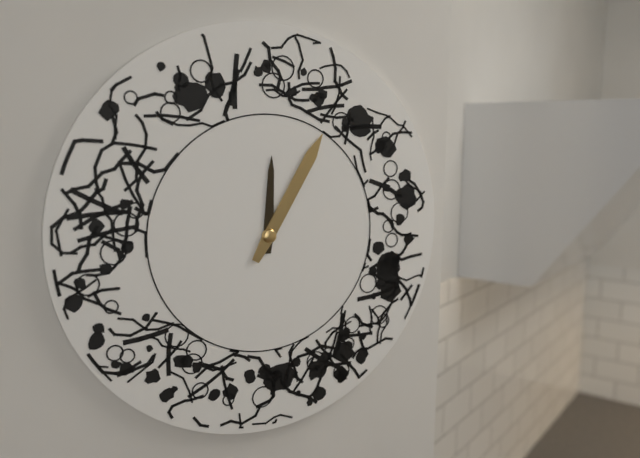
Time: **12:05**
